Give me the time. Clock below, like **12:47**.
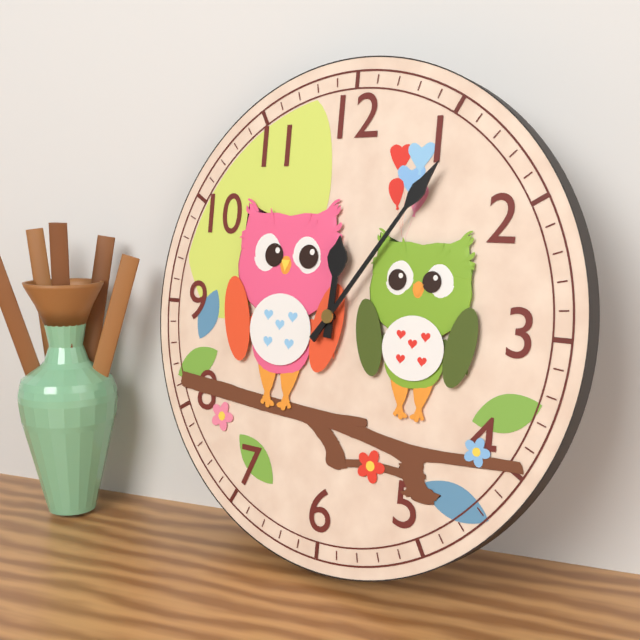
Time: **12:06**
